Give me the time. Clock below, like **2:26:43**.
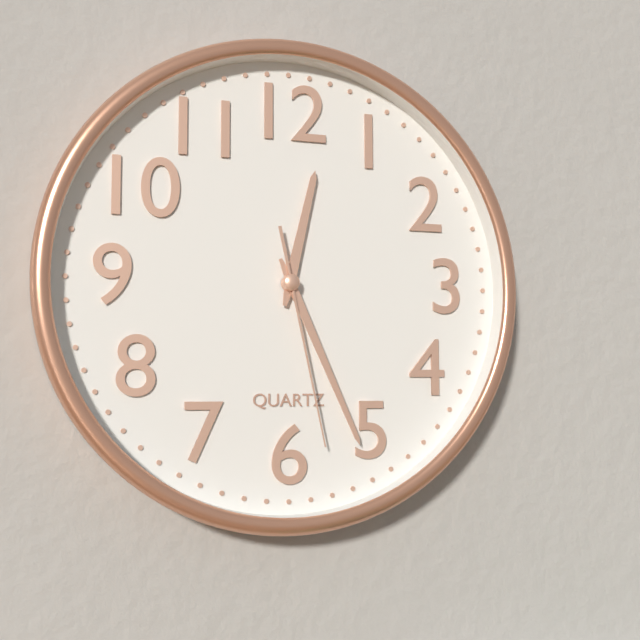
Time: **12:26:28**
